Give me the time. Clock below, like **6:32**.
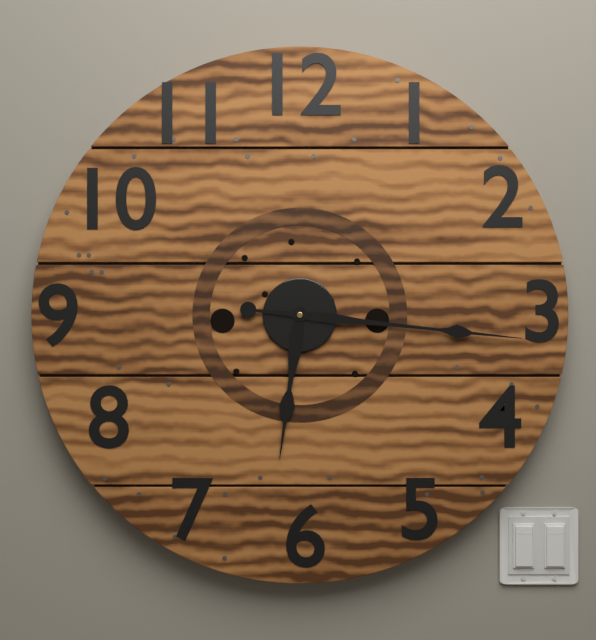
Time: **6:16**
